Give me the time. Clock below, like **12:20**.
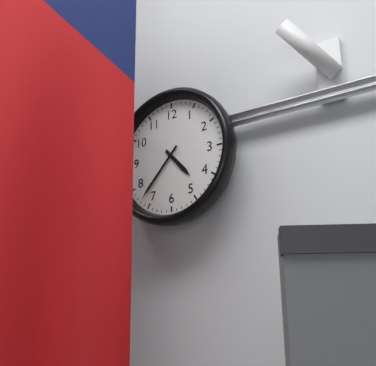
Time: **4:37**
